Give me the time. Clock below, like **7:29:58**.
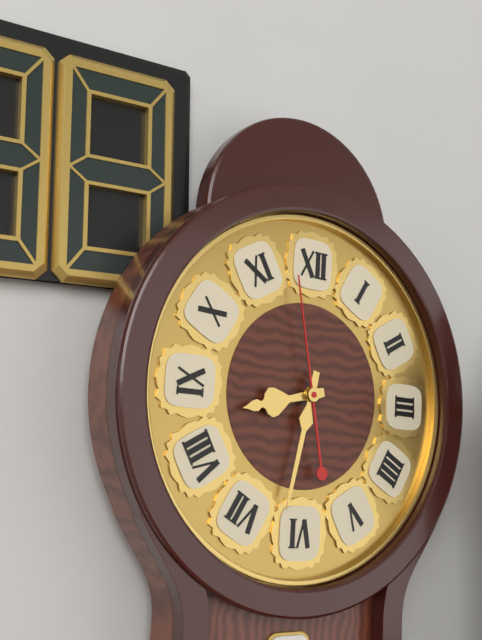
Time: **8:32:58**
